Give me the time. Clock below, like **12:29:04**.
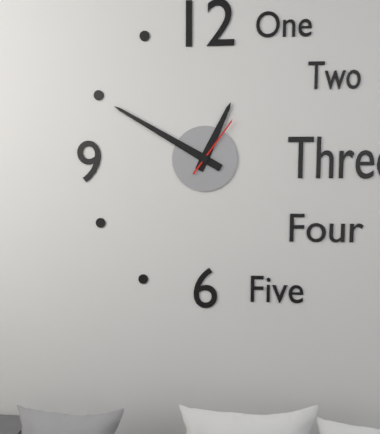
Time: **12:50:06**
